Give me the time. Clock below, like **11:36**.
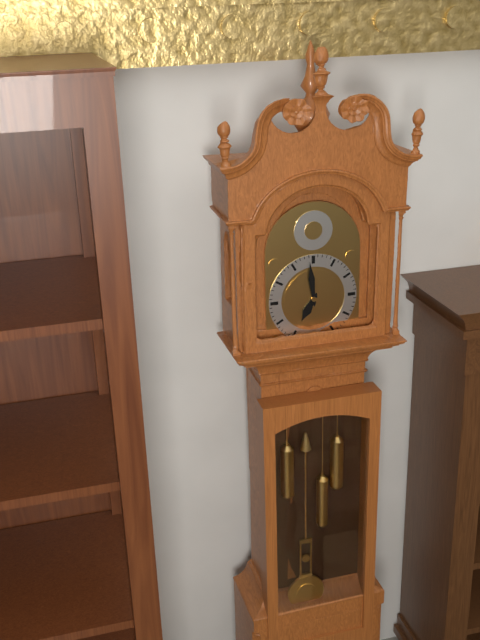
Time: **6:59**
